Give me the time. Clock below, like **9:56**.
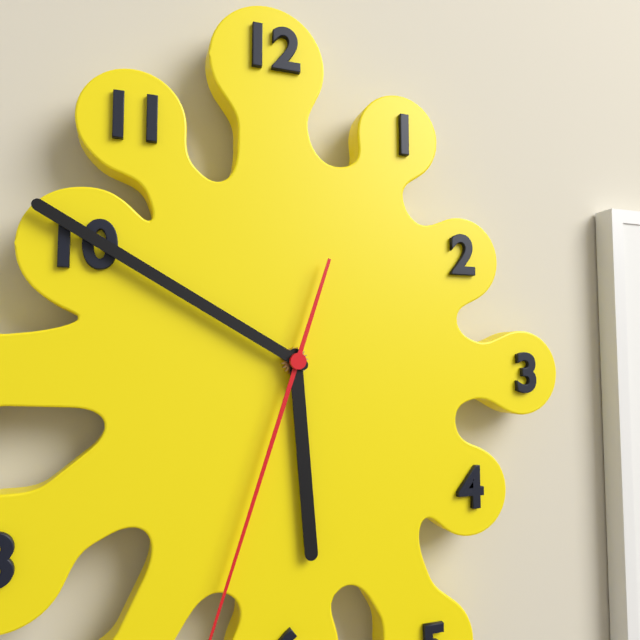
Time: **5:50**
